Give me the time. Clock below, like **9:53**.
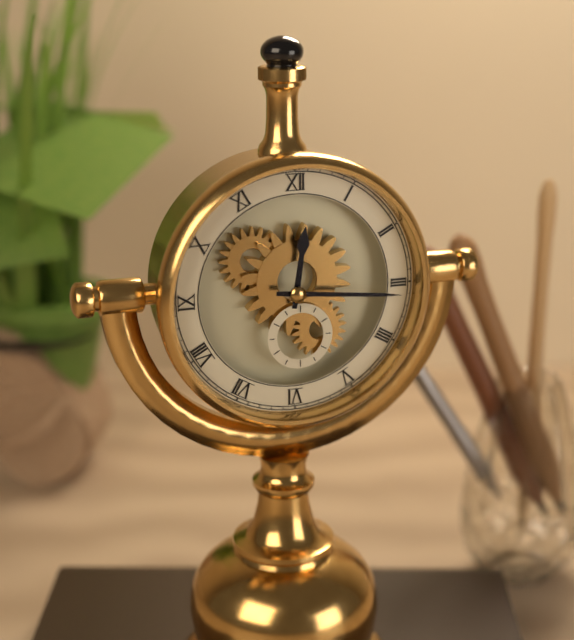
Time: **12:16**
